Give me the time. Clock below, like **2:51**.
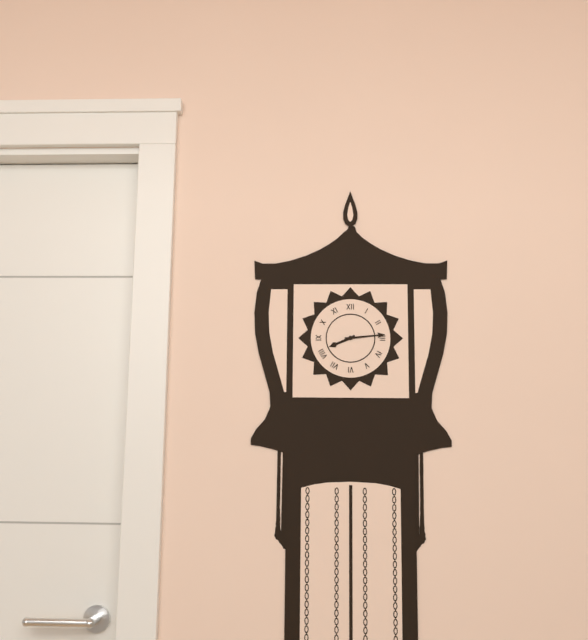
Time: **8:14**
